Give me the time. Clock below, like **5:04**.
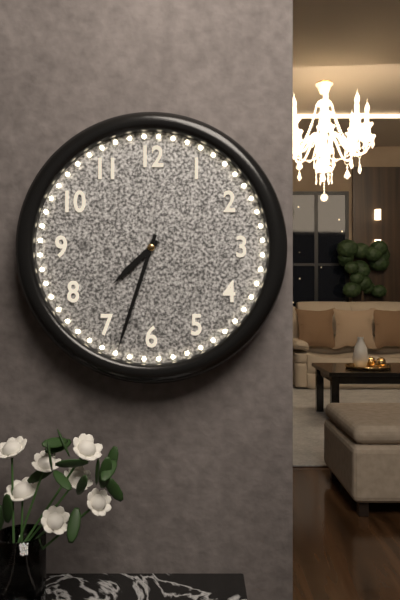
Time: **7:33**
